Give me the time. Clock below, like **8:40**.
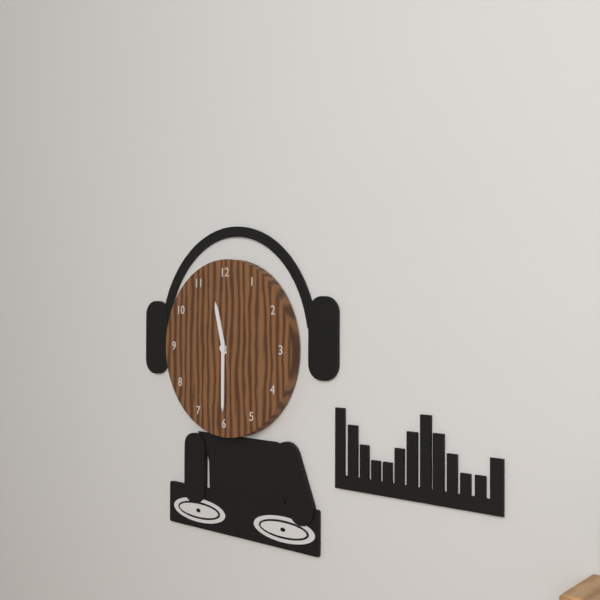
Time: **11:30**
